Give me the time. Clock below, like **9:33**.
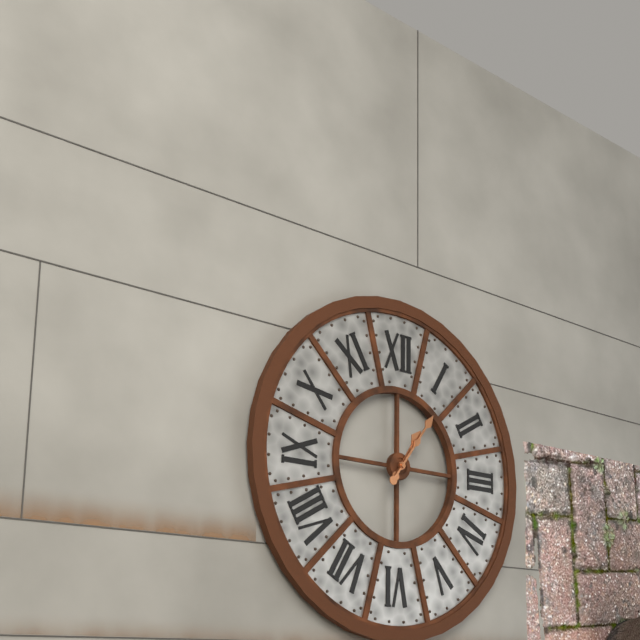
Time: **1:06**
